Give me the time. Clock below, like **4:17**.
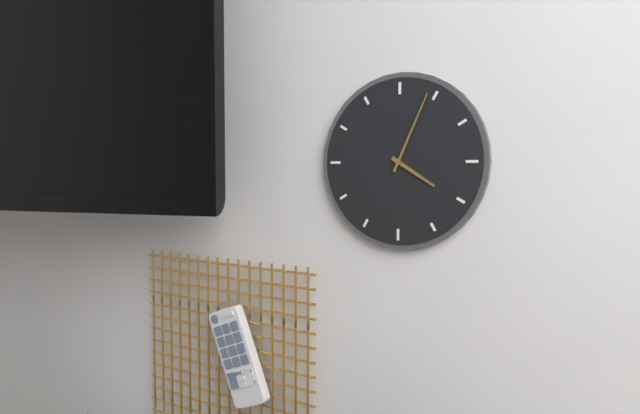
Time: **4:04**
